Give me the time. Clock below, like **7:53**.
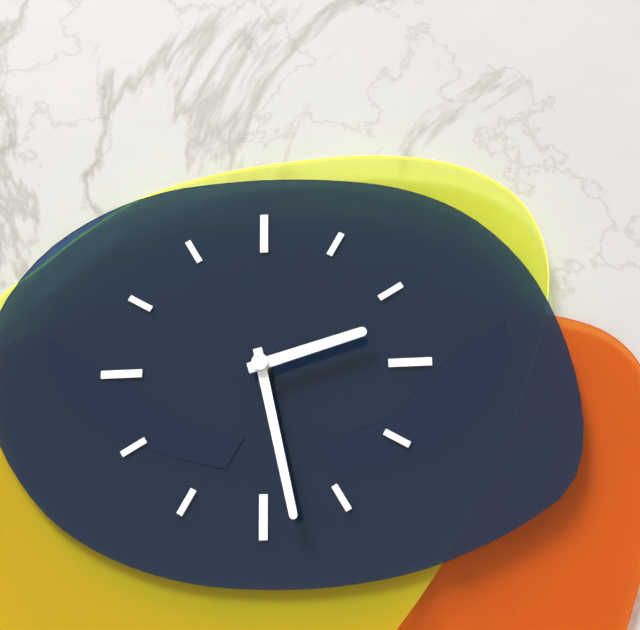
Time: **2:28**
